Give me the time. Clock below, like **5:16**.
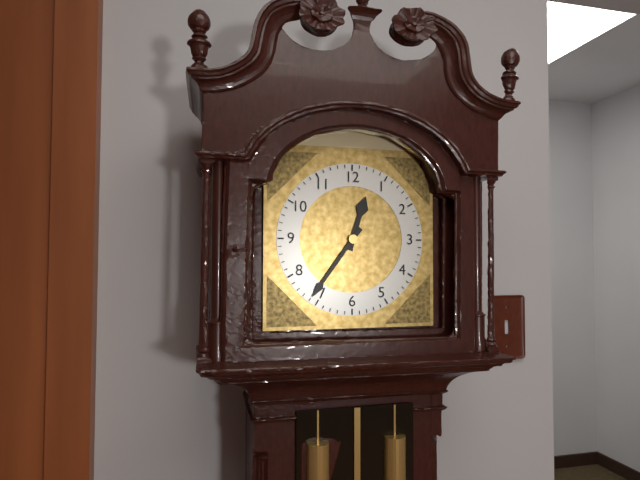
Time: **12:36**
